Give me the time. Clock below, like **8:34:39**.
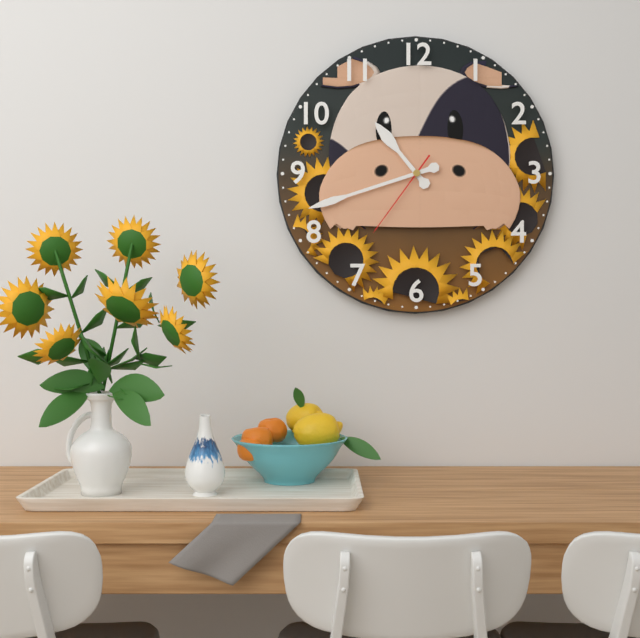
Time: **10:42:36**
